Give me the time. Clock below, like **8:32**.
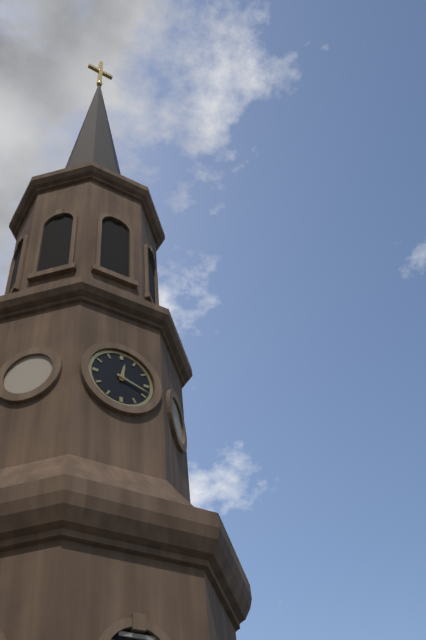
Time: **12:18**
